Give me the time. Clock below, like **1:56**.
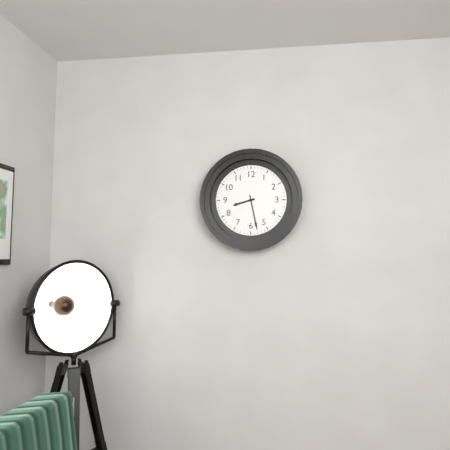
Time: **8:28**
